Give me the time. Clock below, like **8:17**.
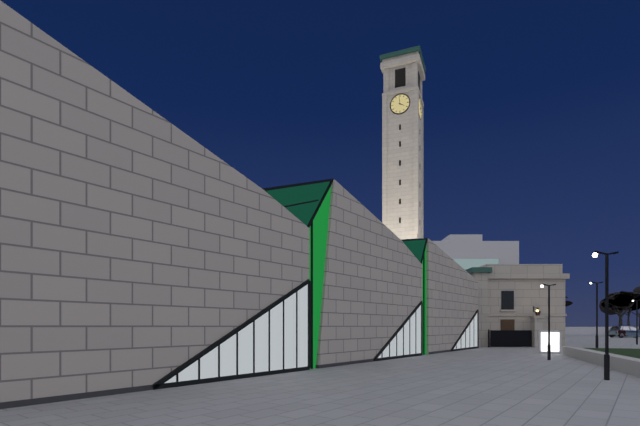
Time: **3:59**
